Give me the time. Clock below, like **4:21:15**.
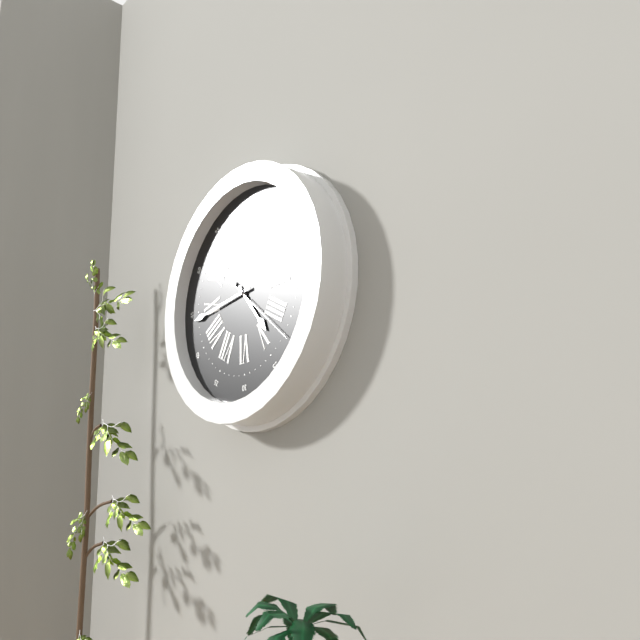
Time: **4:44:22**
